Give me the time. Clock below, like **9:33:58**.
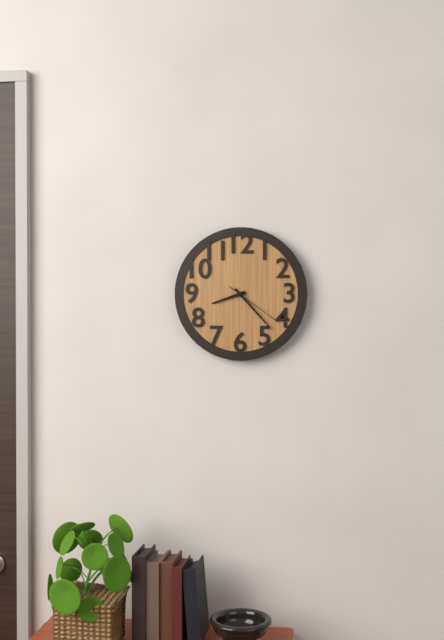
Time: **8:23:21**
